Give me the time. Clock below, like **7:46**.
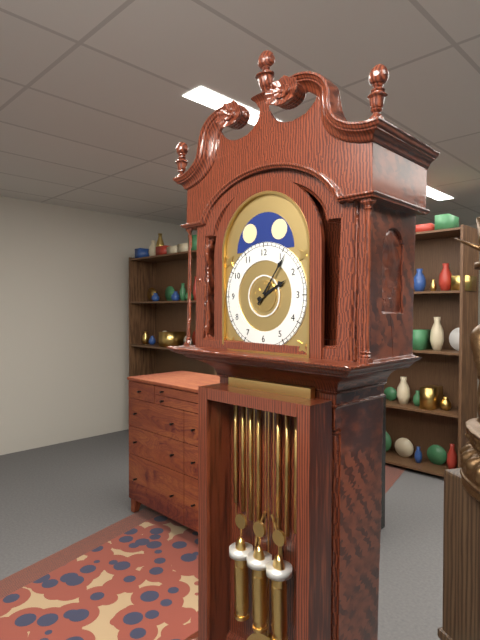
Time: **2:06**
